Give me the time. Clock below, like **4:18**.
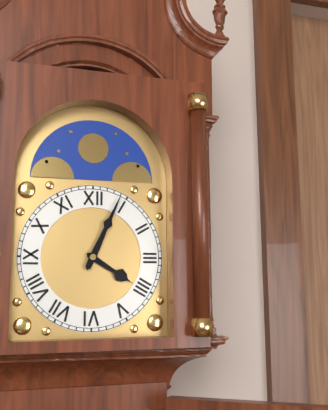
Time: **4:04**
